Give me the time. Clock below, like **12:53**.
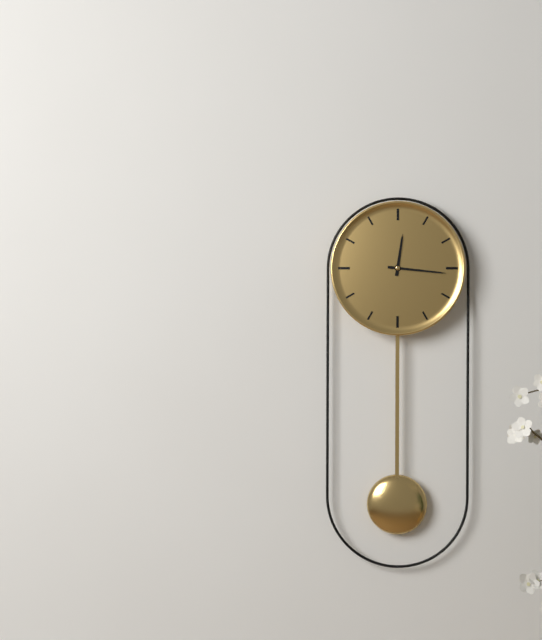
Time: **12:16**
